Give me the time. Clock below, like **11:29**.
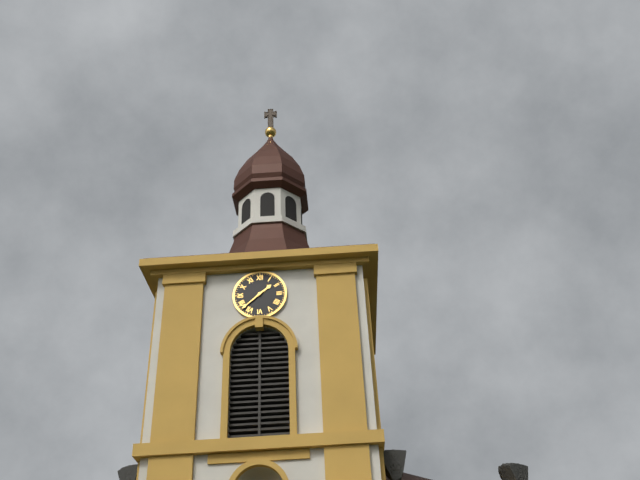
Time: **1:38**
